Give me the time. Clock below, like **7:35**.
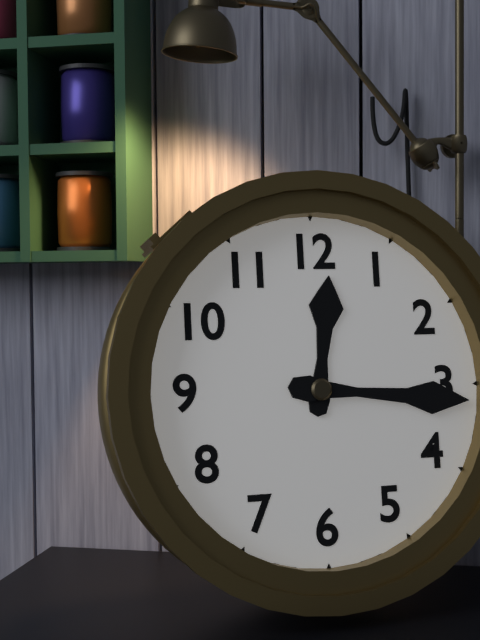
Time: **12:16**
